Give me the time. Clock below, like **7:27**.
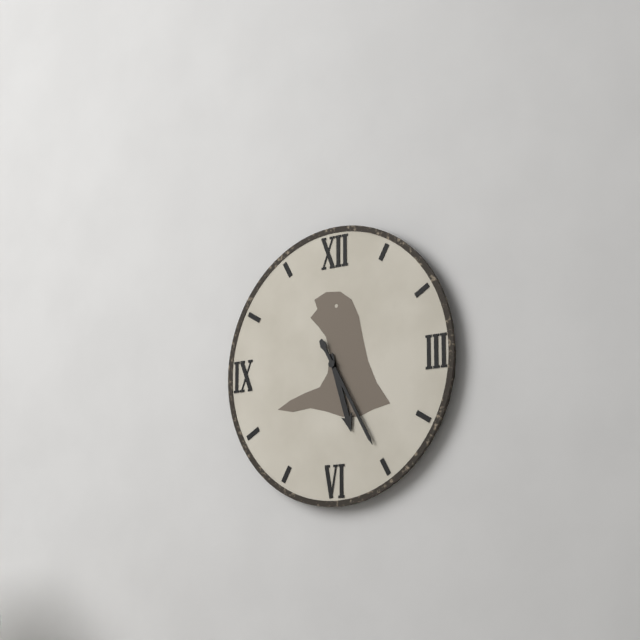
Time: **5:25**
